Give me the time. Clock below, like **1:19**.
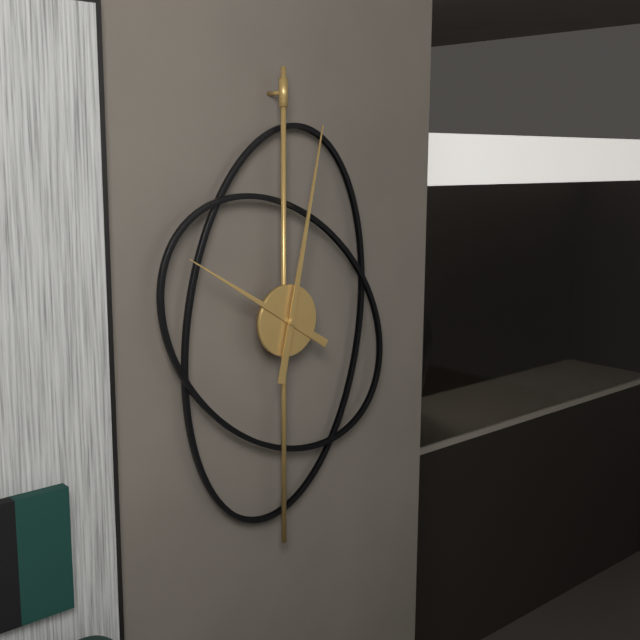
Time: **10:02**
